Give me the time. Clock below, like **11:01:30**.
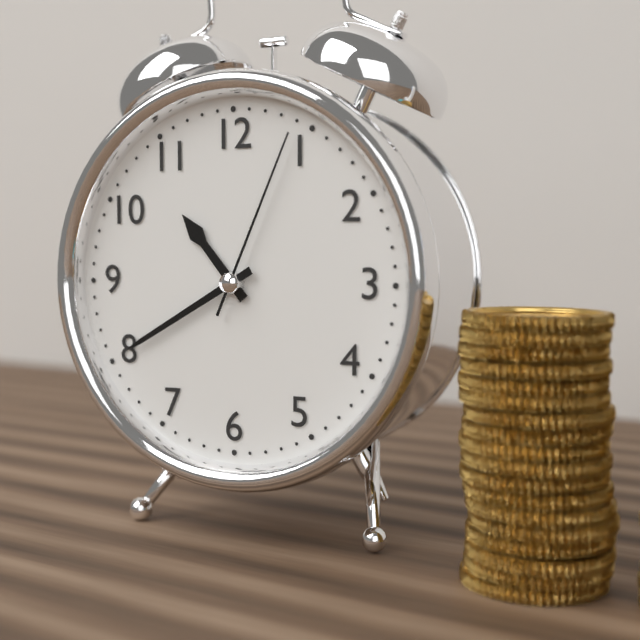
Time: **10:40:04**
